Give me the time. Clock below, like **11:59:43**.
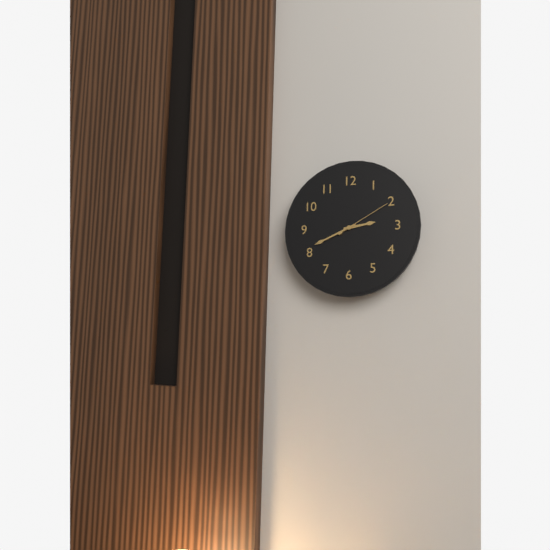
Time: **2:41:10**
